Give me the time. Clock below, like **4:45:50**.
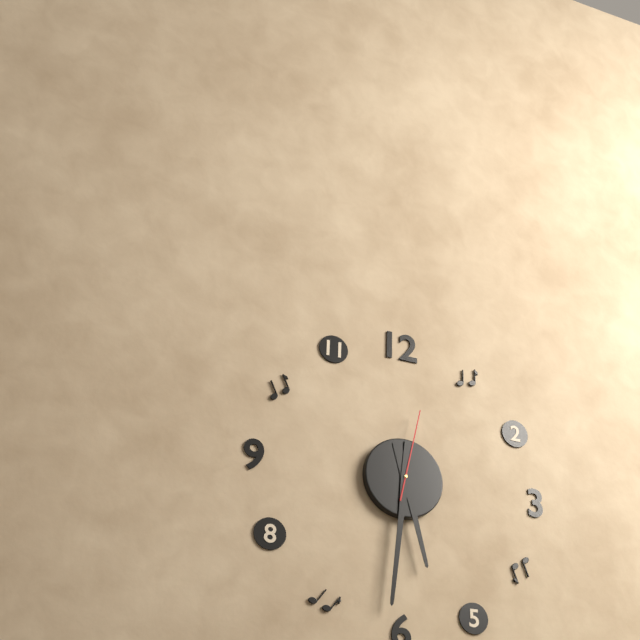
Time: **5:31:02**
